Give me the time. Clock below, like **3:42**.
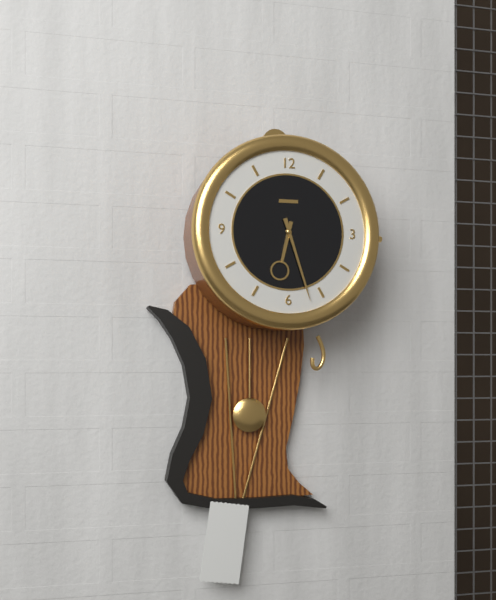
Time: **6:27**
